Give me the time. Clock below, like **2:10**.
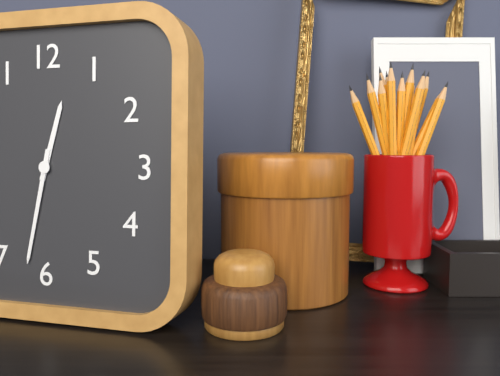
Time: **12:32**
